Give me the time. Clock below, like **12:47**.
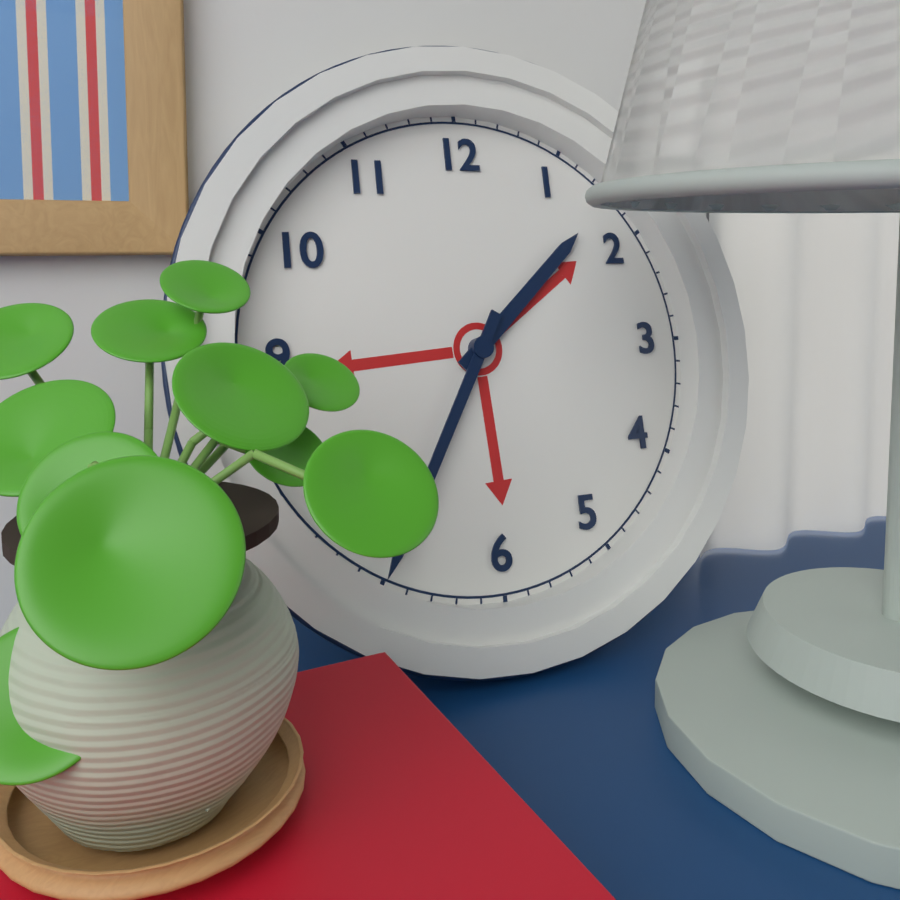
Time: **1:35**
